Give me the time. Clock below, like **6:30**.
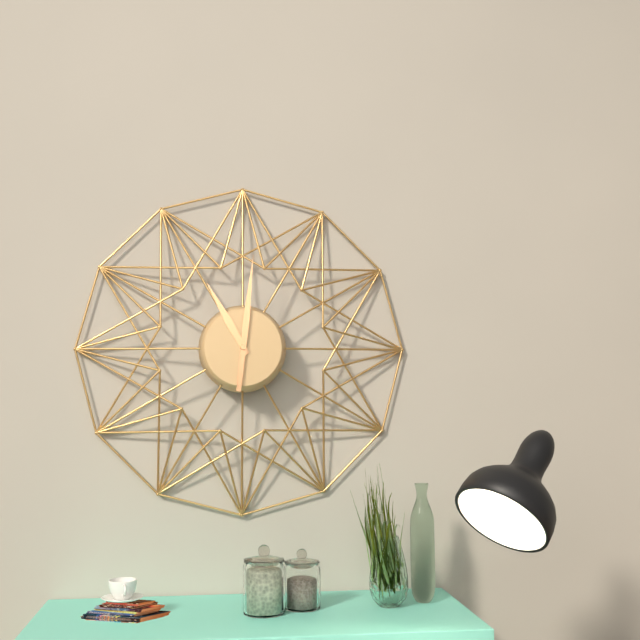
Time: **11:01**
